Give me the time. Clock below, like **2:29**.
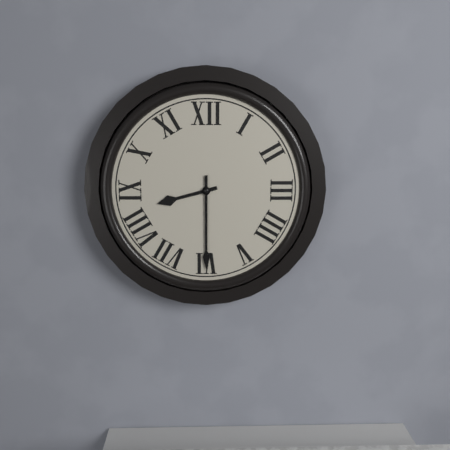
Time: **8:30**
